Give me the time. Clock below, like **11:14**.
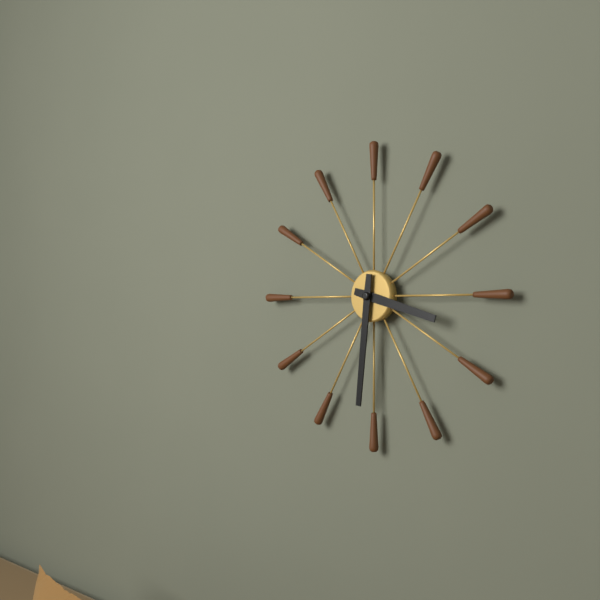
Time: **3:31**
